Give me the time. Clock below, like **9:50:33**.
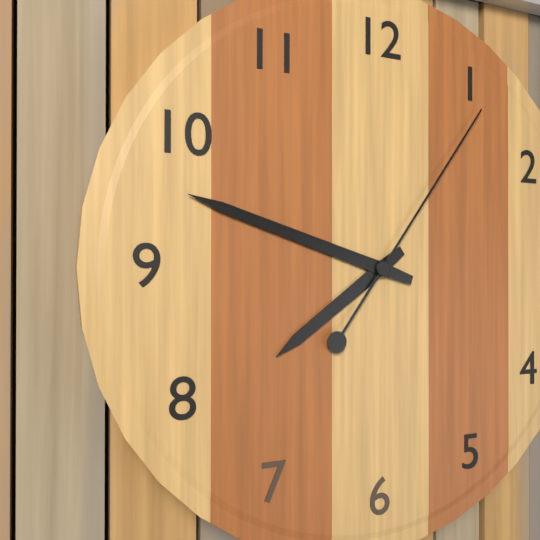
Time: **7:48:06**
